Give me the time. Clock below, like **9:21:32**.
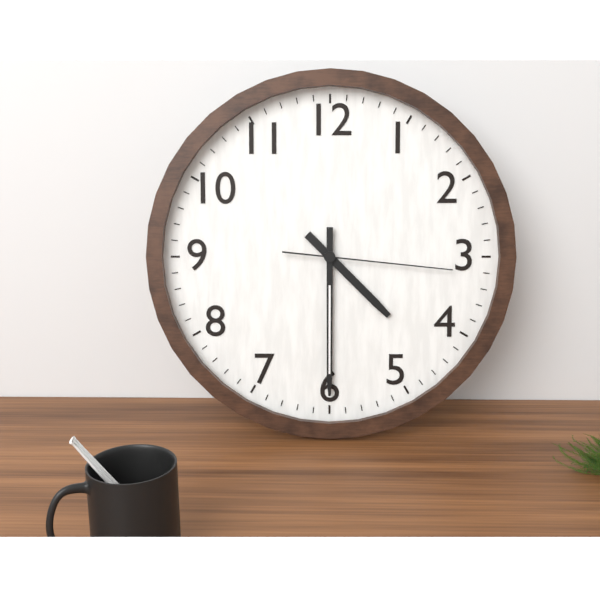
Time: **4:30:16**
